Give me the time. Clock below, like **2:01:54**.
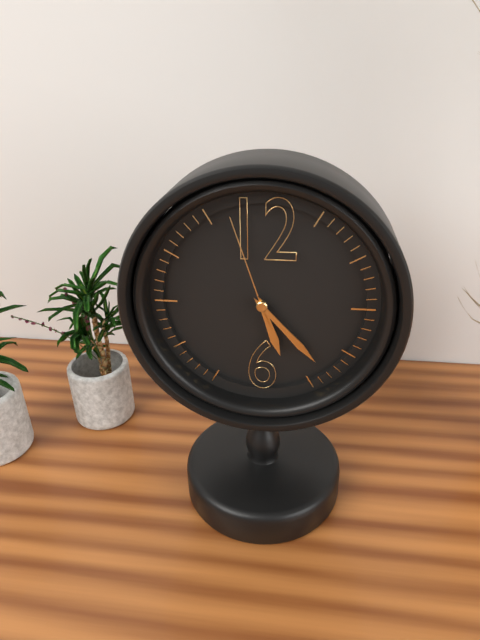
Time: **5:23:57**
